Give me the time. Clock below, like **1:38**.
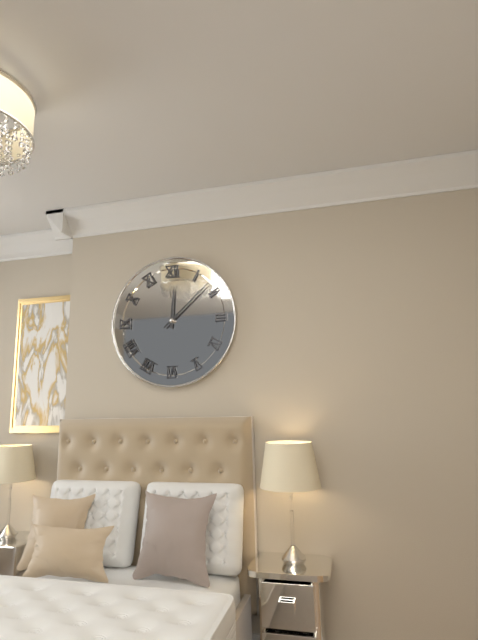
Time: **12:08**
